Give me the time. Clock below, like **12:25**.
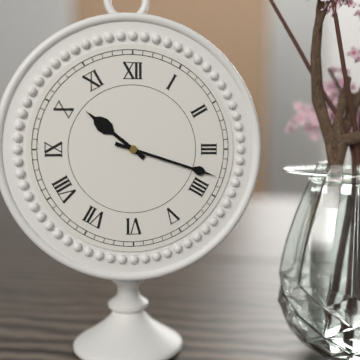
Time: **10:18**
